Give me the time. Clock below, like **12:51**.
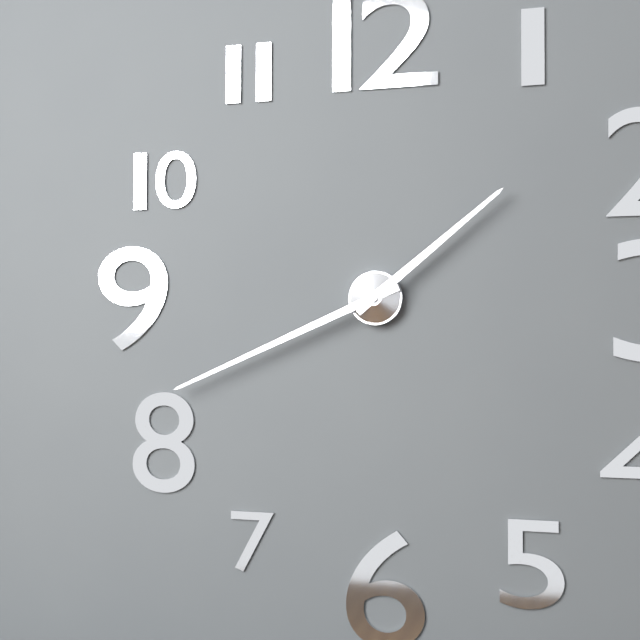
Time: **1:41**
